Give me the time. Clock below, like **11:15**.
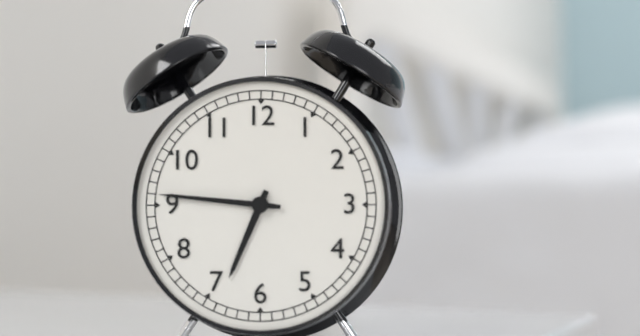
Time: **6:46**
